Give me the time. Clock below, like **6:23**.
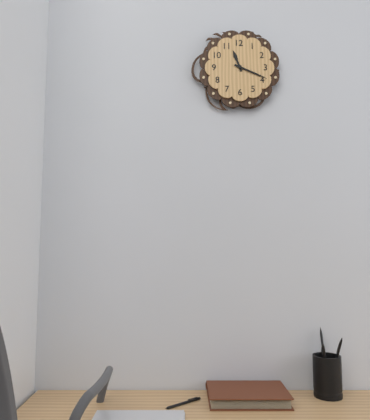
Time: **11:19**
